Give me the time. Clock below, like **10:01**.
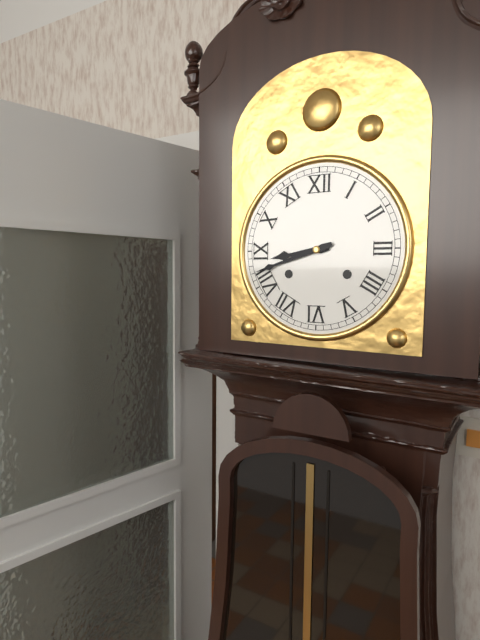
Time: **8:42**
